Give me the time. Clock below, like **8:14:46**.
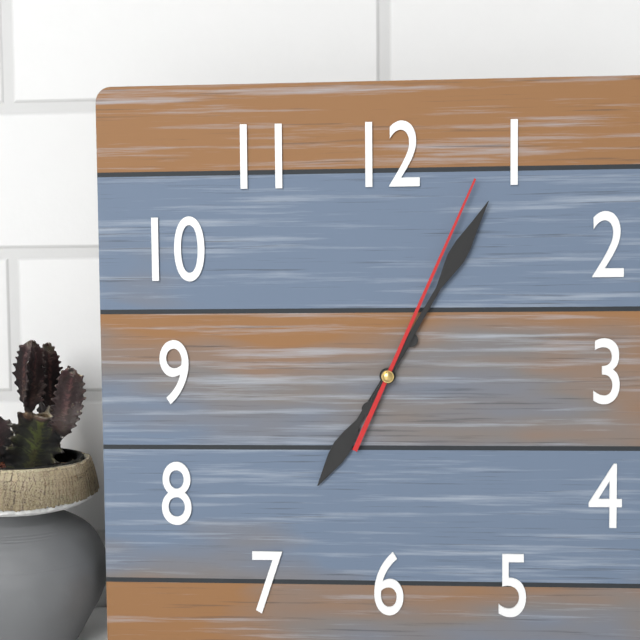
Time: **7:05:04**
